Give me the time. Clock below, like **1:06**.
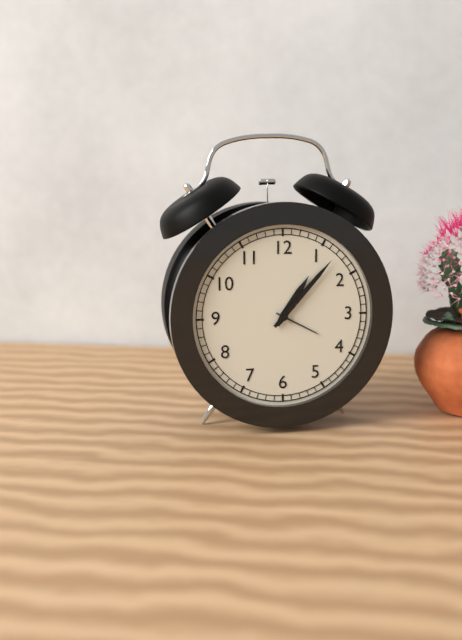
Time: **1:07**
